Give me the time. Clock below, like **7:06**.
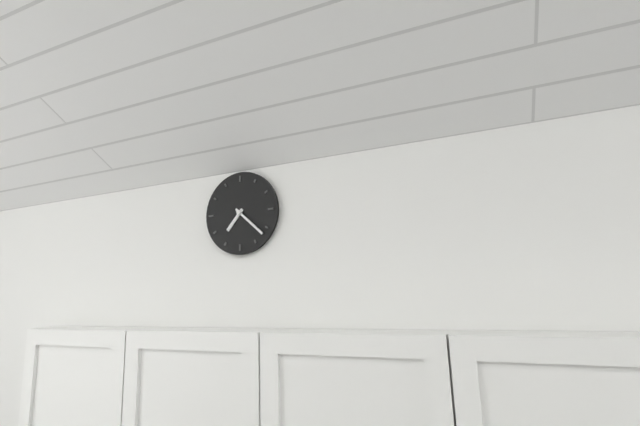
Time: **7:22**
